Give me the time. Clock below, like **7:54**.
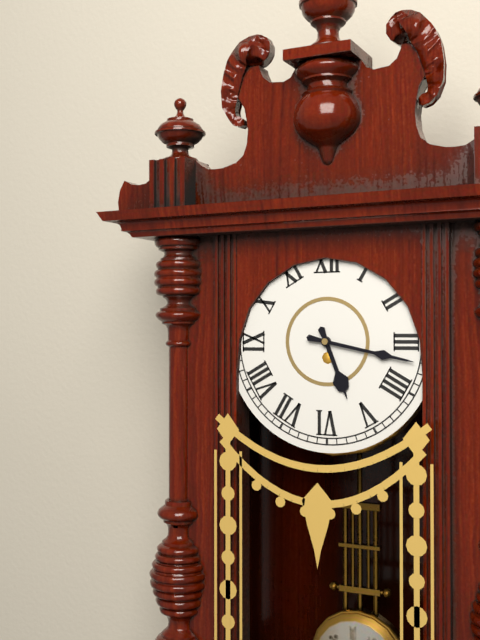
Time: **5:17**
